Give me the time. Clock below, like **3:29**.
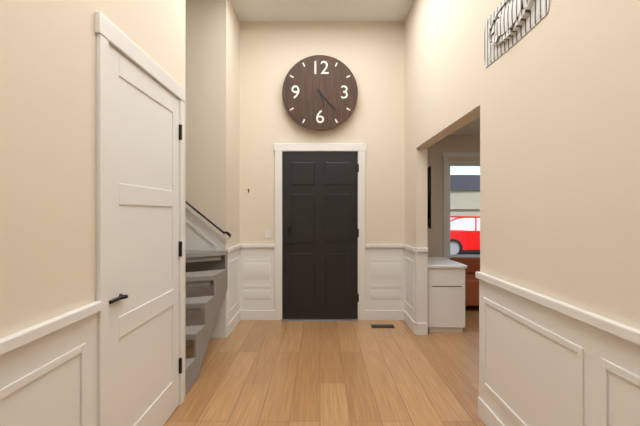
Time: **5:23**
